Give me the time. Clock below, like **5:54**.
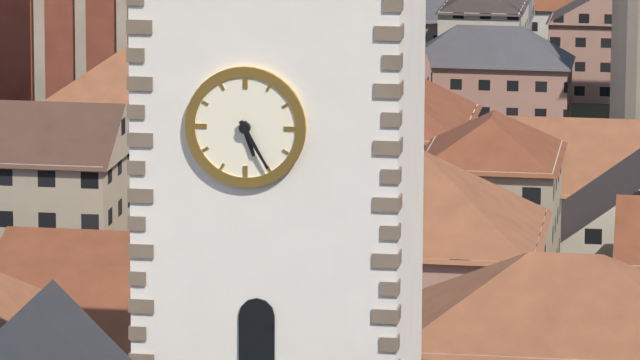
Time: **5:25**
